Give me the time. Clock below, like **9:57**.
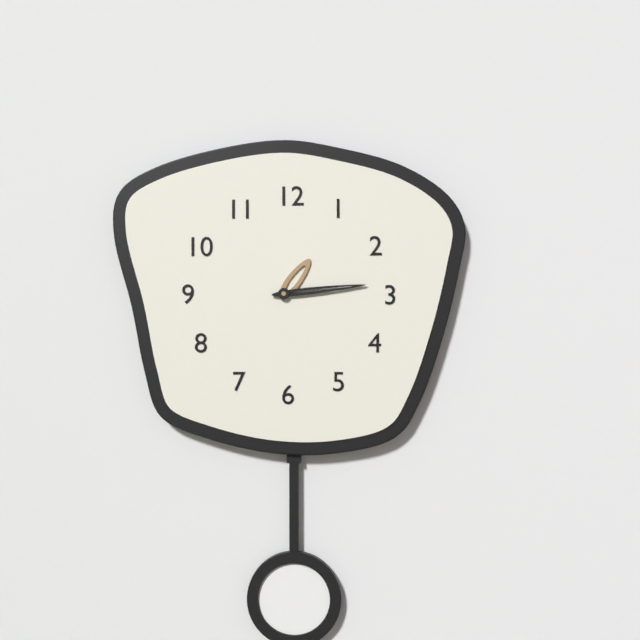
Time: **1:14**
